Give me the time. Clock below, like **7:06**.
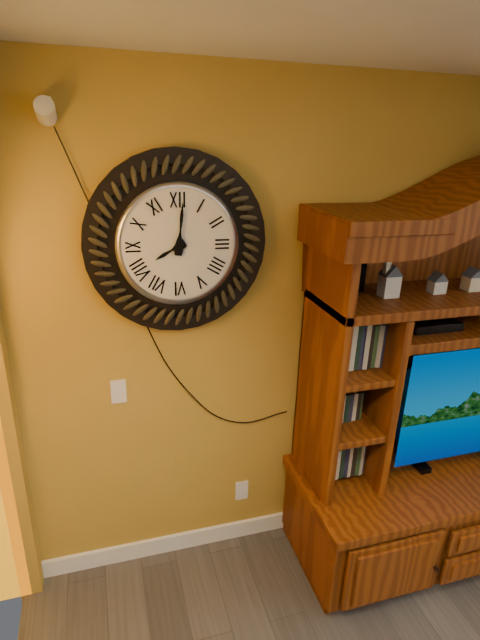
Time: **8:01**
